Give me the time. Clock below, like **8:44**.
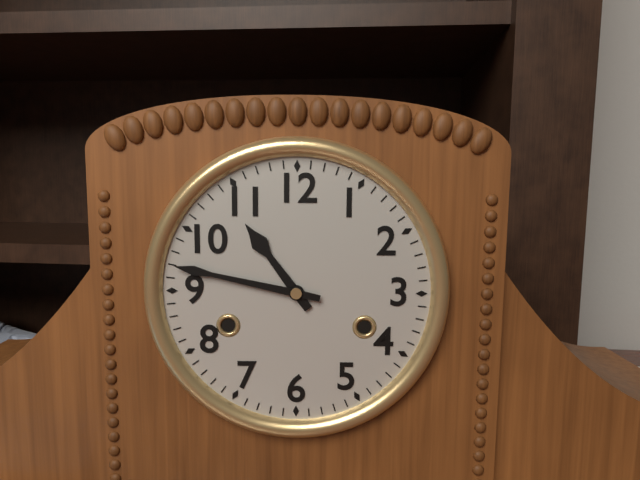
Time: **10:47**
